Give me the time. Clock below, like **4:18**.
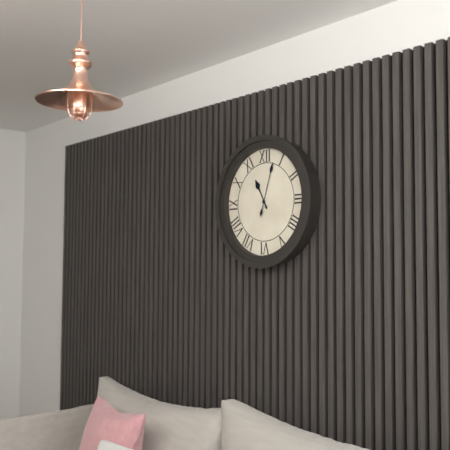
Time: **11:03**
